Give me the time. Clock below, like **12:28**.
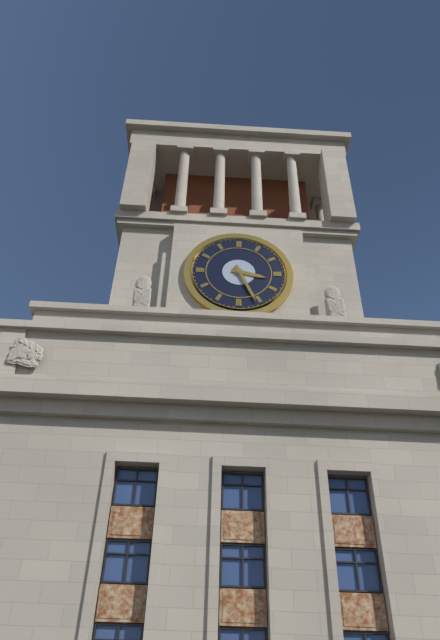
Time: **3:26**
